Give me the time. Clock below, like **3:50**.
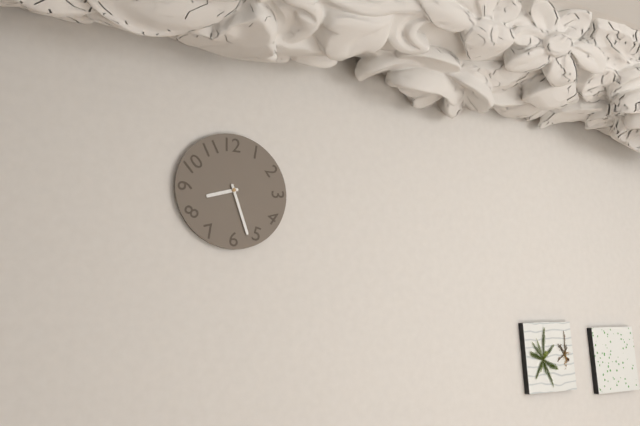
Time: **8:27**
